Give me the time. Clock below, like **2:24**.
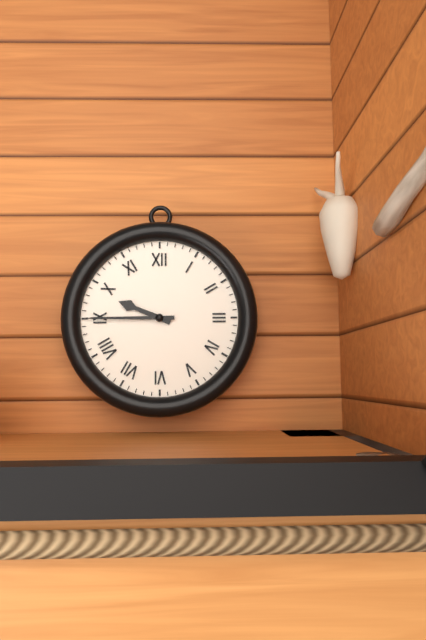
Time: **9:45**
